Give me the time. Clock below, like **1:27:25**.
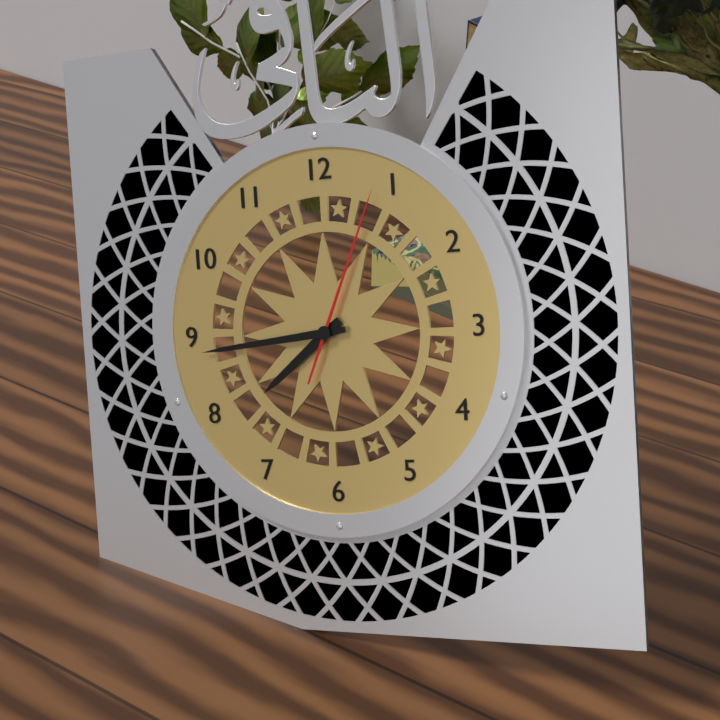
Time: **7:44:04**
